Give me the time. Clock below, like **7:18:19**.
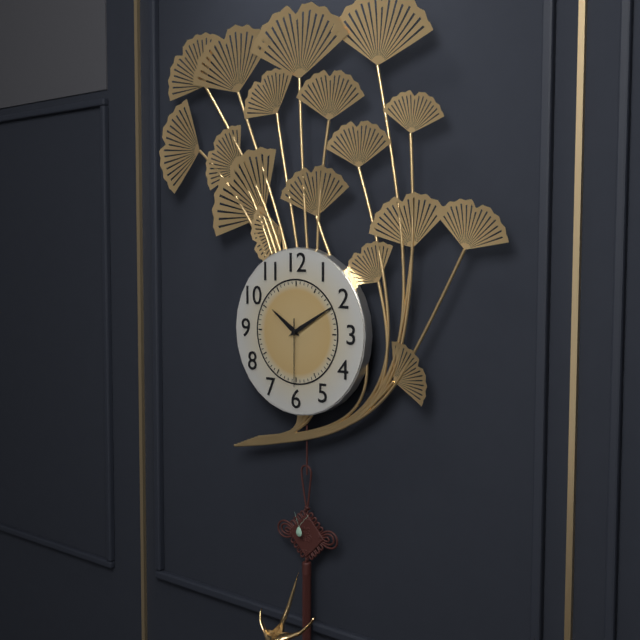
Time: **10:10:30**
